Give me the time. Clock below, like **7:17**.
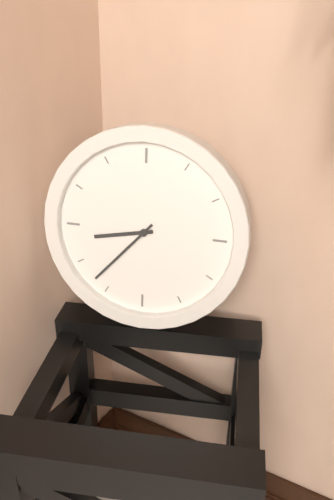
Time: **8:37**
